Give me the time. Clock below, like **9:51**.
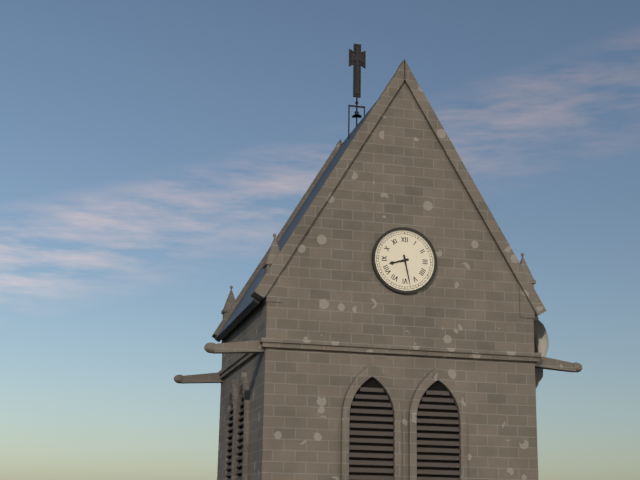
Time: **8:28**
